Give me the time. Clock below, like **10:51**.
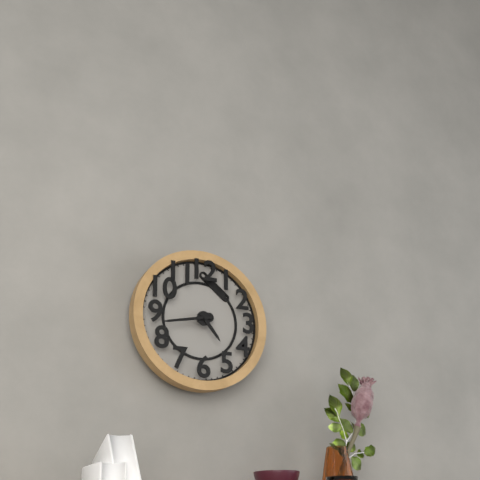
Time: **4:43**
